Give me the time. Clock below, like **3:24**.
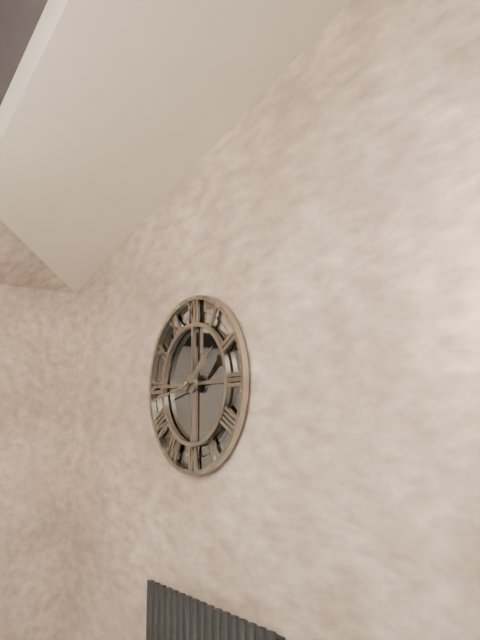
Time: **1:43**
